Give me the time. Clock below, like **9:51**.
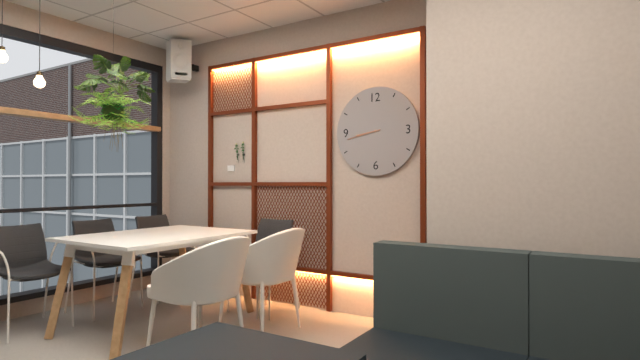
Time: **8:43**
